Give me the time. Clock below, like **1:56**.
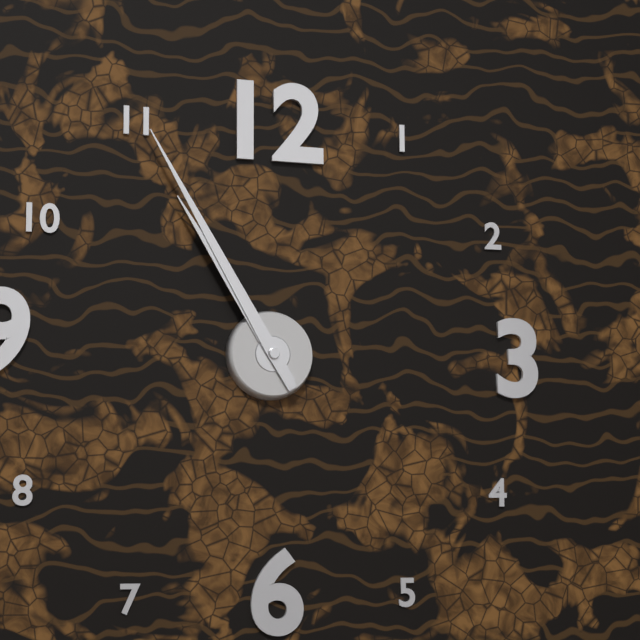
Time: **10:55**
